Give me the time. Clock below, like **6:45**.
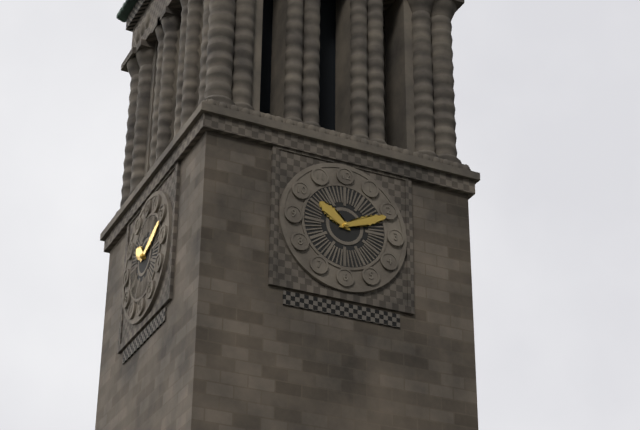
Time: **10:11**
